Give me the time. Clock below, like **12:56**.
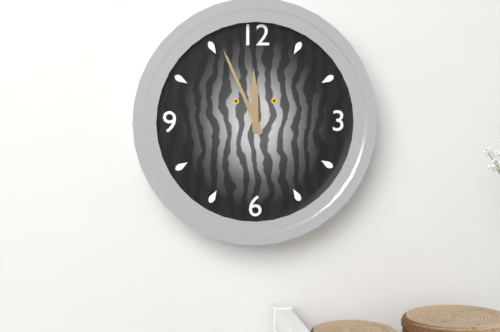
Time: **11:56**
